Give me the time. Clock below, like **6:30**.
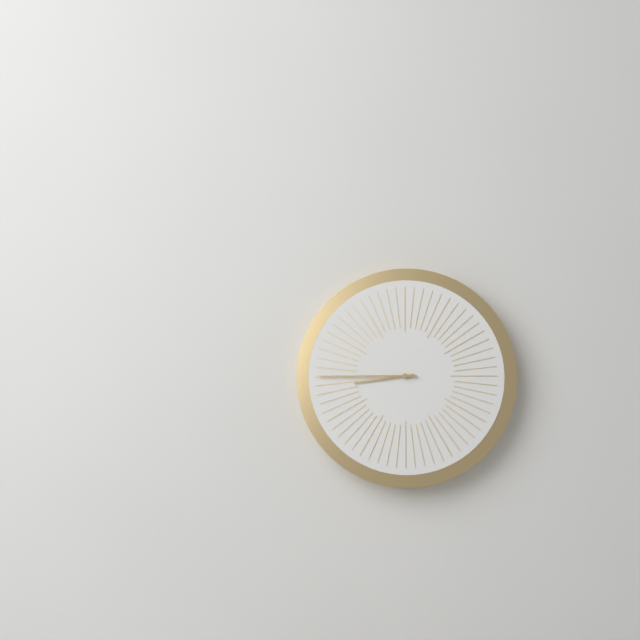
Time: **8:45**
